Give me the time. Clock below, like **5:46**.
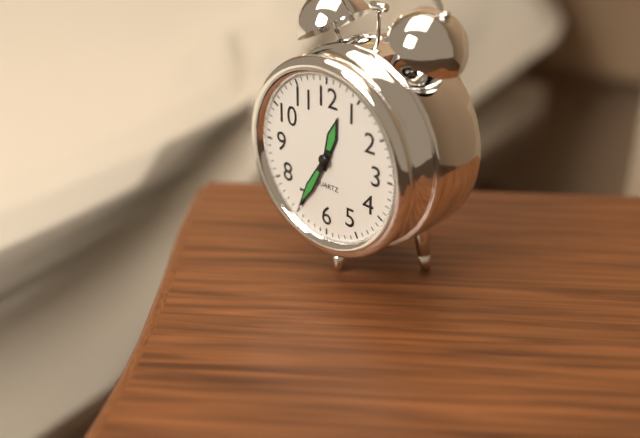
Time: **12:35**
